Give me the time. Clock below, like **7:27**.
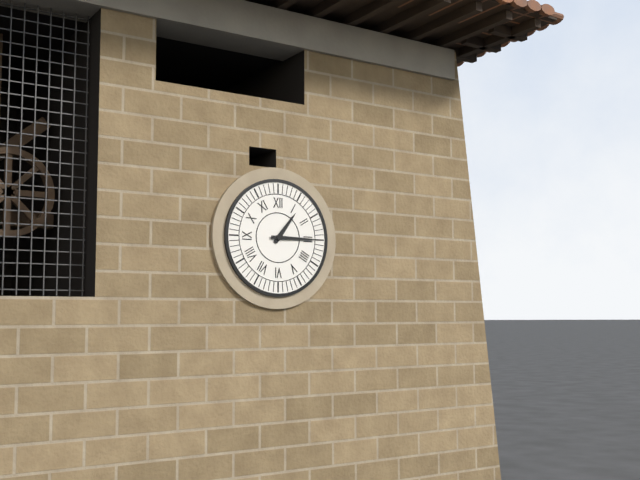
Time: **1:15**
